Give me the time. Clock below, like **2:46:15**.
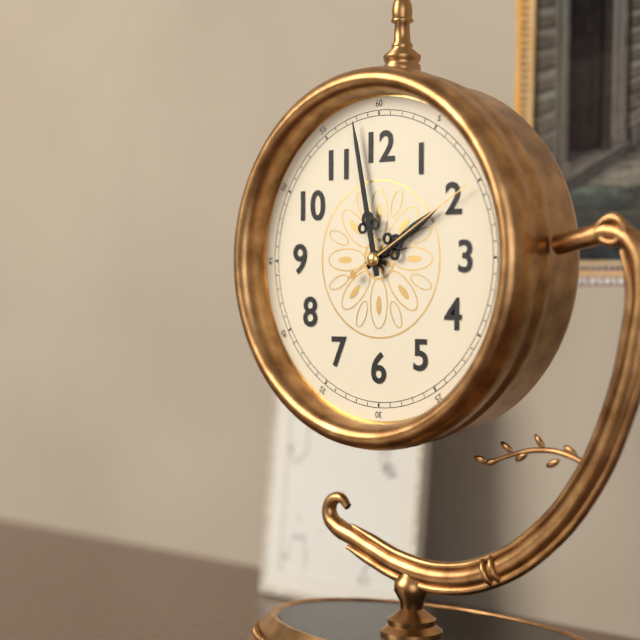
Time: **1:58:10**
